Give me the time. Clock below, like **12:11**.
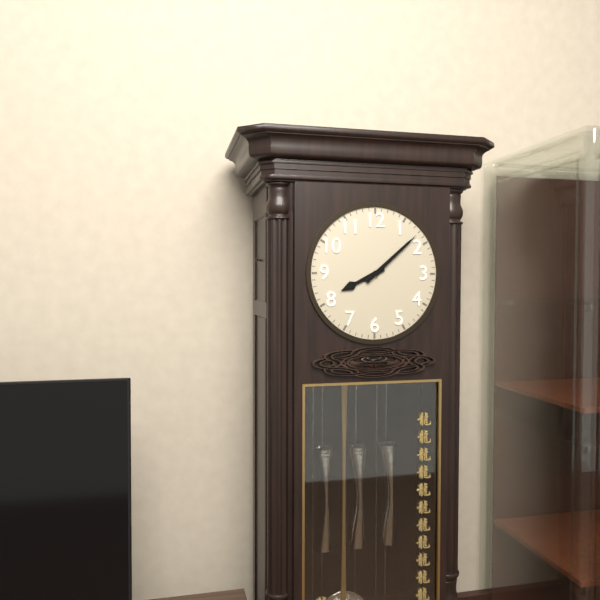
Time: **8:08**
